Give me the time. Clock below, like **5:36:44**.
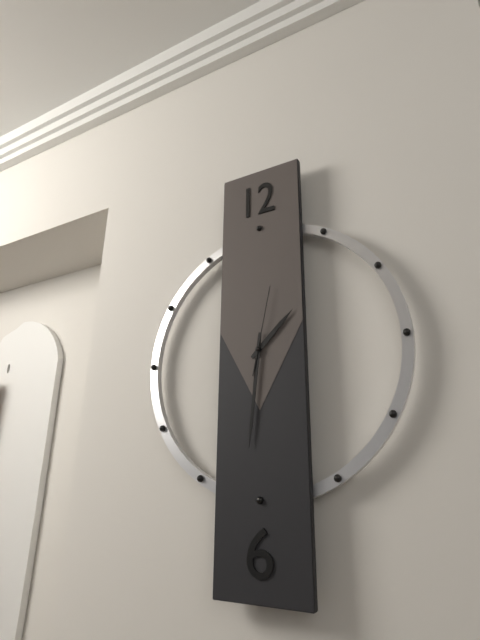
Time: **1:31:02**
